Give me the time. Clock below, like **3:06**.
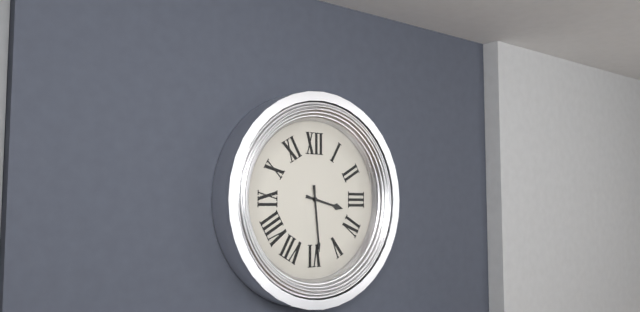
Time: **3:29**
